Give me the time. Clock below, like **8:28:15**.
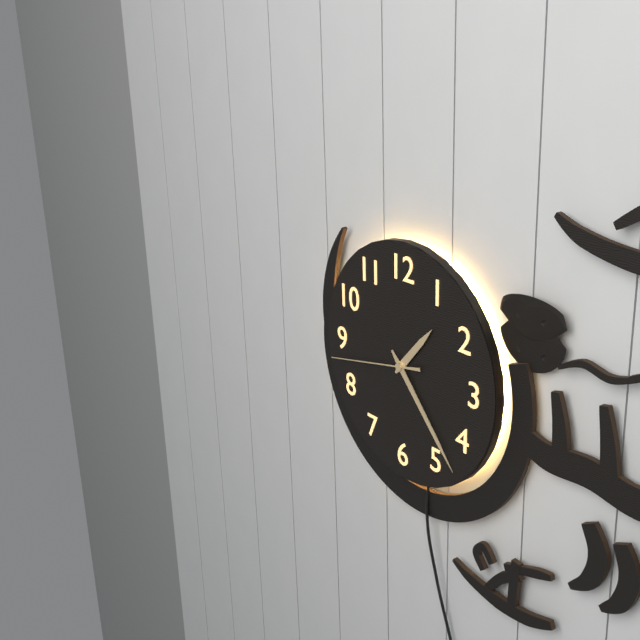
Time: **1:23:43**
